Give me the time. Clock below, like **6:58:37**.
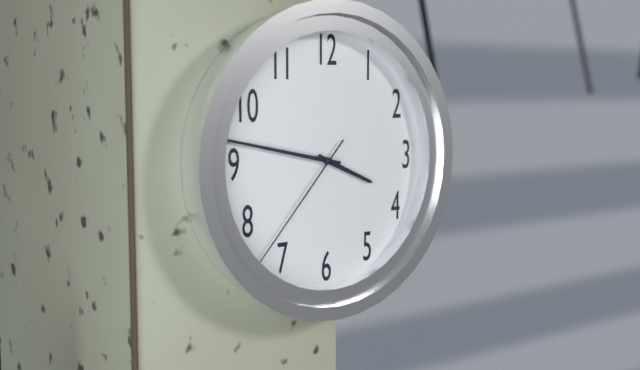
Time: **3:47:37**
